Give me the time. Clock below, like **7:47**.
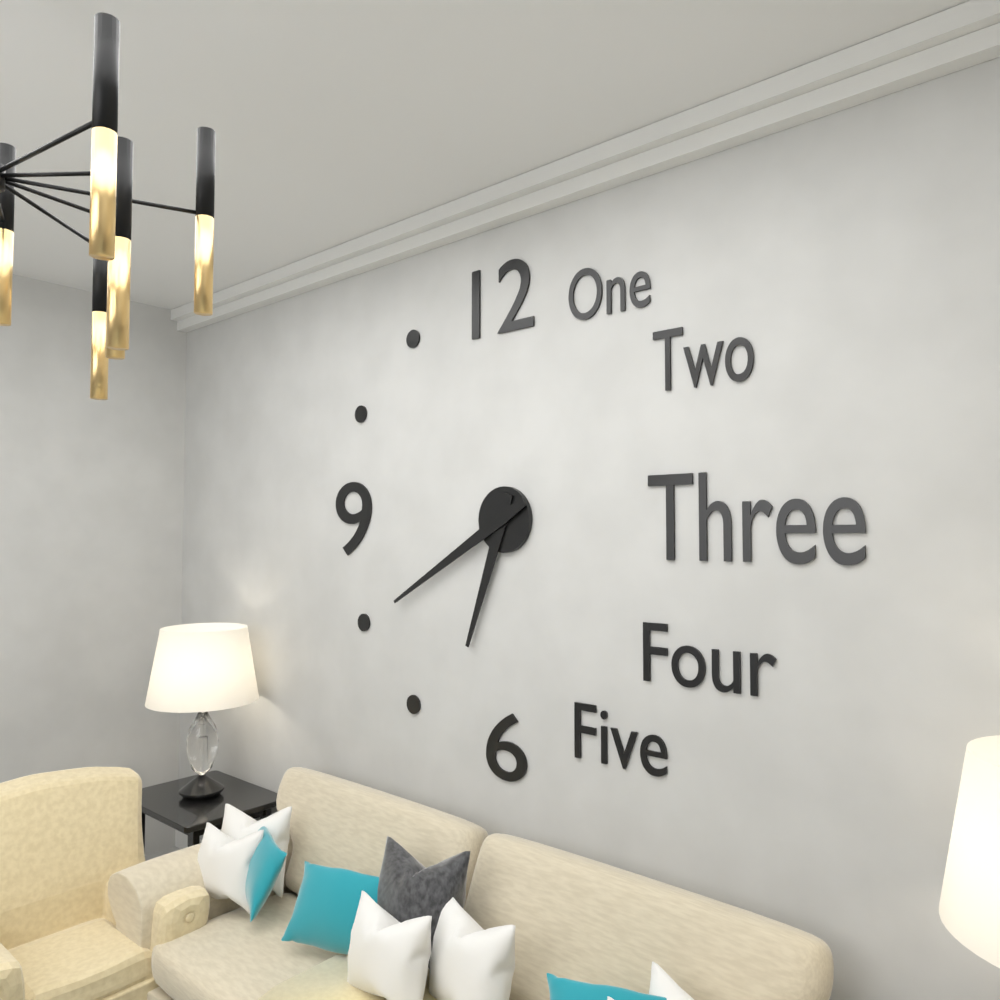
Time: **6:40**
